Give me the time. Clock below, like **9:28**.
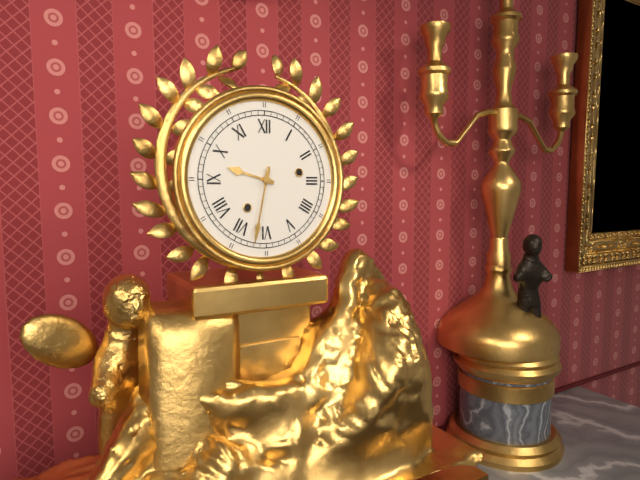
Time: **9:32**
